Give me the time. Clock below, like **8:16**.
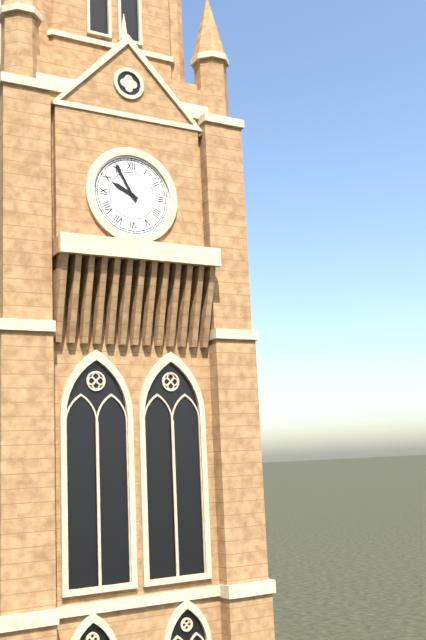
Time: **9:55**
